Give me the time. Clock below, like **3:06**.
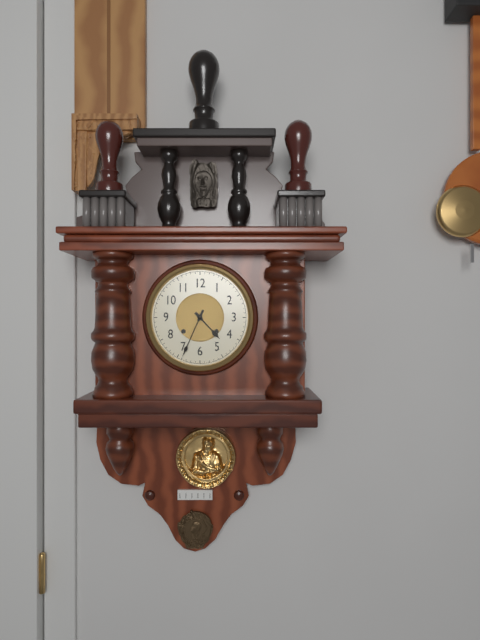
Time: **4:34**
